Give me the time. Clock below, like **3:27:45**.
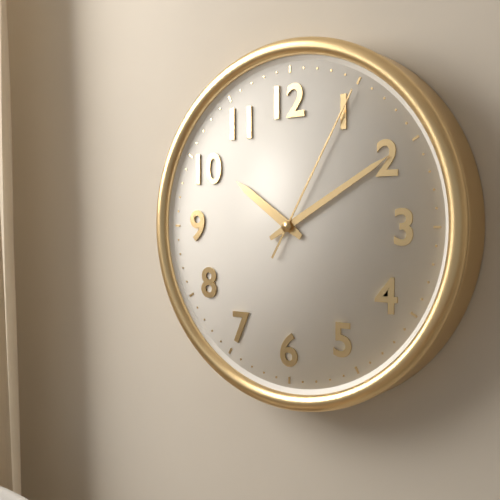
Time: **10:10:05**
